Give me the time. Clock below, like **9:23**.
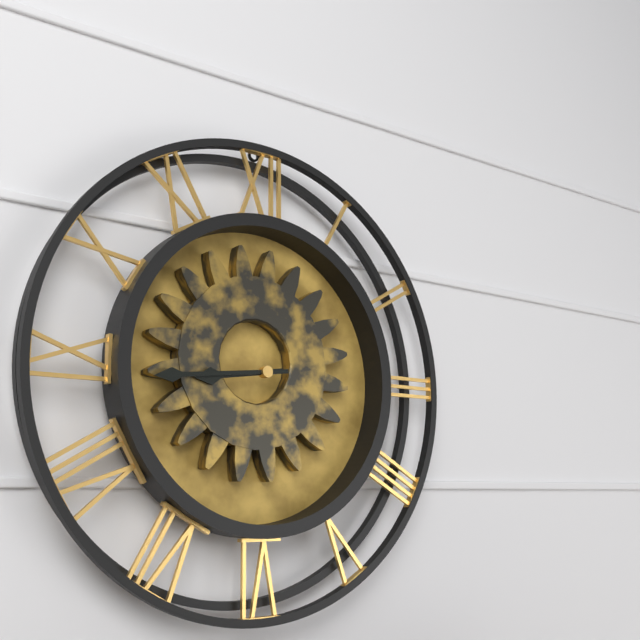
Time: **8:44**
